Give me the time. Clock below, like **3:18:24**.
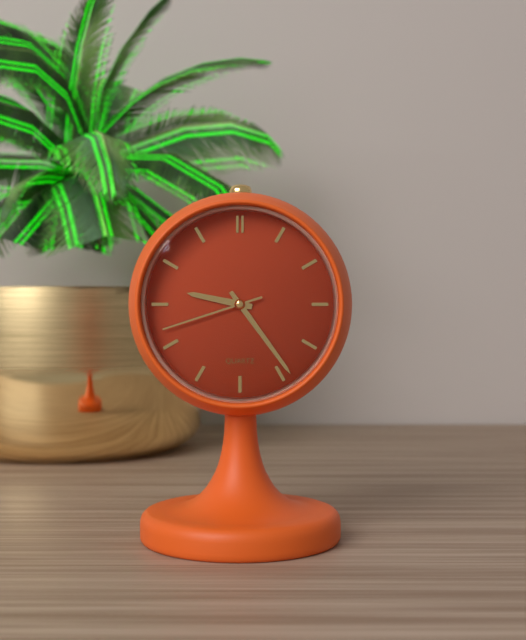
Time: **9:24:42**
